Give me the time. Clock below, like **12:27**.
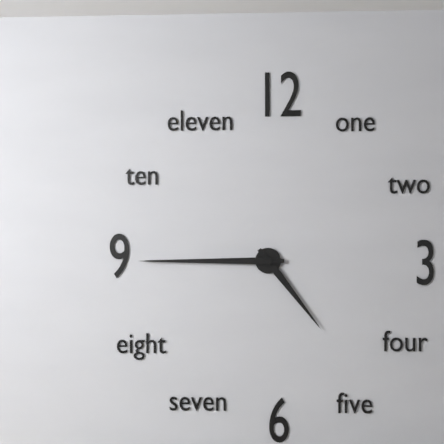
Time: **4:45**
